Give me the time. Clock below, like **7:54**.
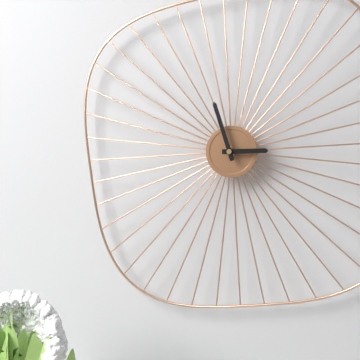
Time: **2:57**
